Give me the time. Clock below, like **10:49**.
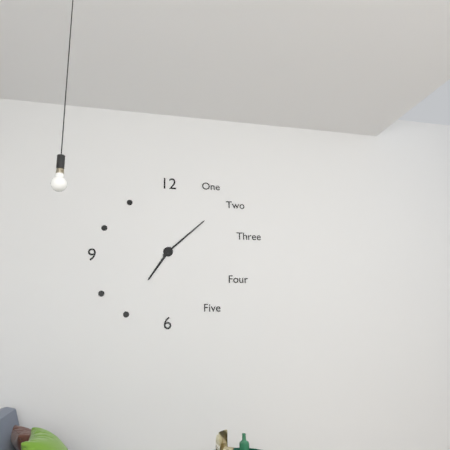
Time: **7:08**
